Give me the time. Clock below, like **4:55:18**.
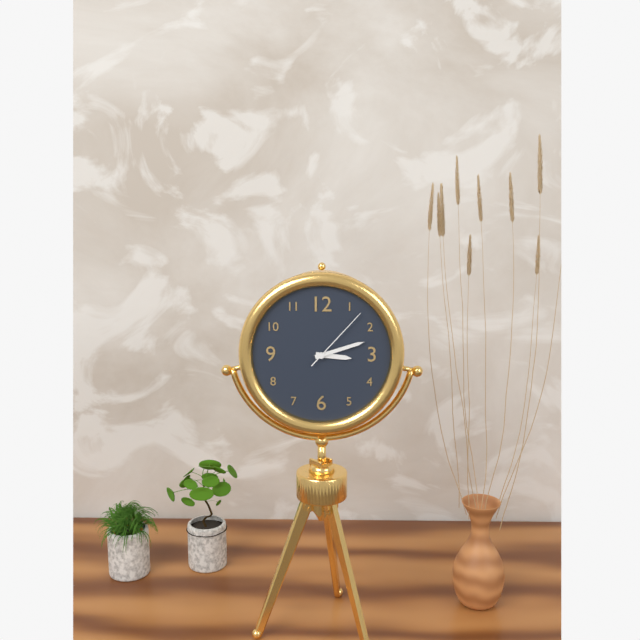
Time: **3:12:07**
